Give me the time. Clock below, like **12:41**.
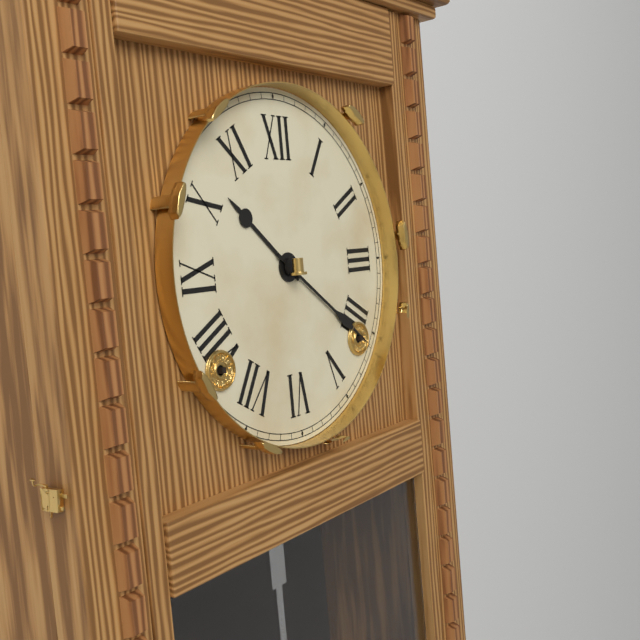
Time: **10:21**
